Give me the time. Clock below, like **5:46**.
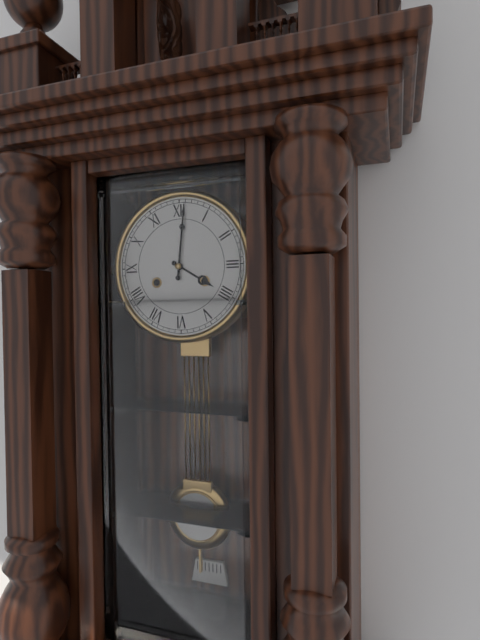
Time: **4:01**
